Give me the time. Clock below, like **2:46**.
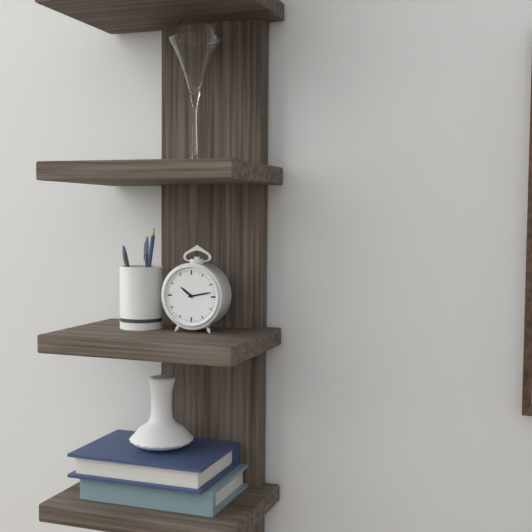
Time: **10:13**
